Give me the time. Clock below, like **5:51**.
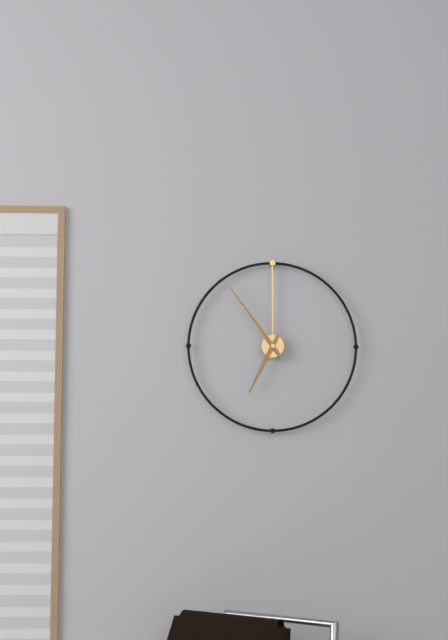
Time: **6:54**
